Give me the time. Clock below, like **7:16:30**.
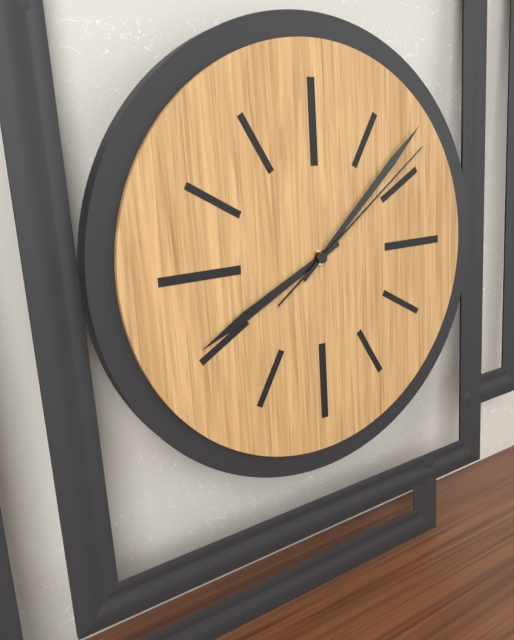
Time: **8:08:09**
